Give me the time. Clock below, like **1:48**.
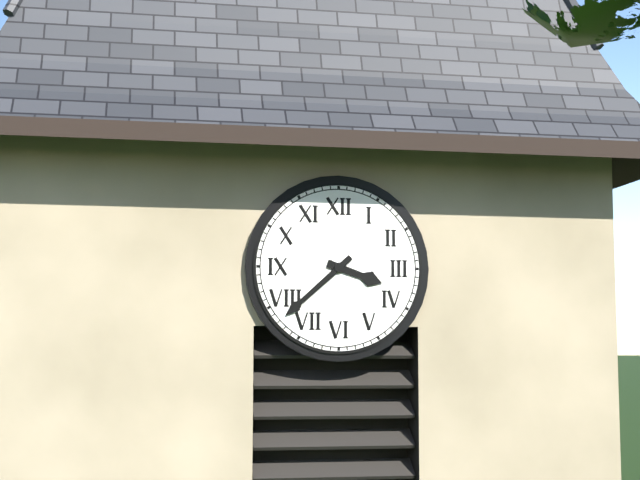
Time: **3:38**
